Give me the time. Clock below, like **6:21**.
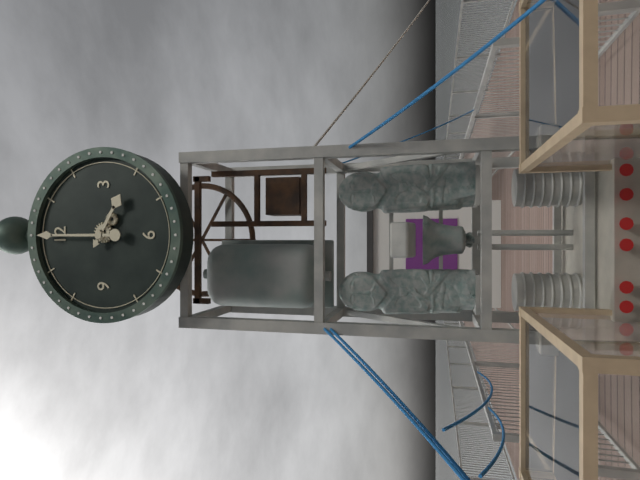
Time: **4:00**
